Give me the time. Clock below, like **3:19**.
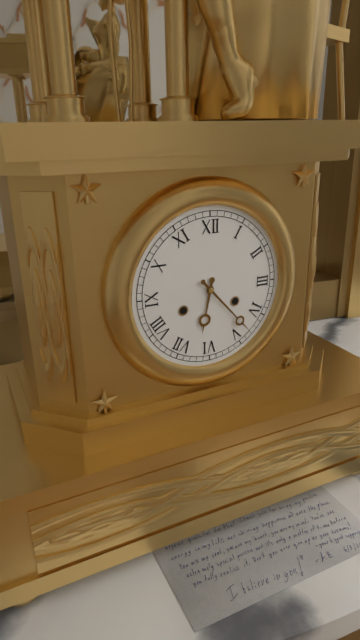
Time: **6:23**
